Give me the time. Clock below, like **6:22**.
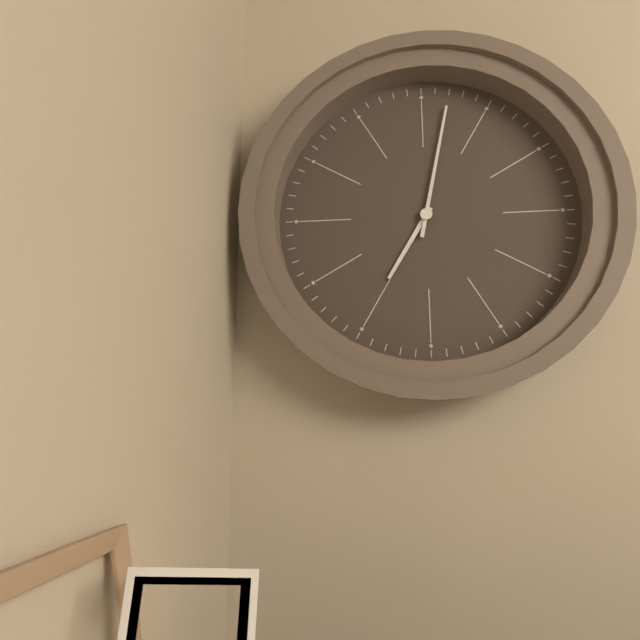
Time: **7:02**
